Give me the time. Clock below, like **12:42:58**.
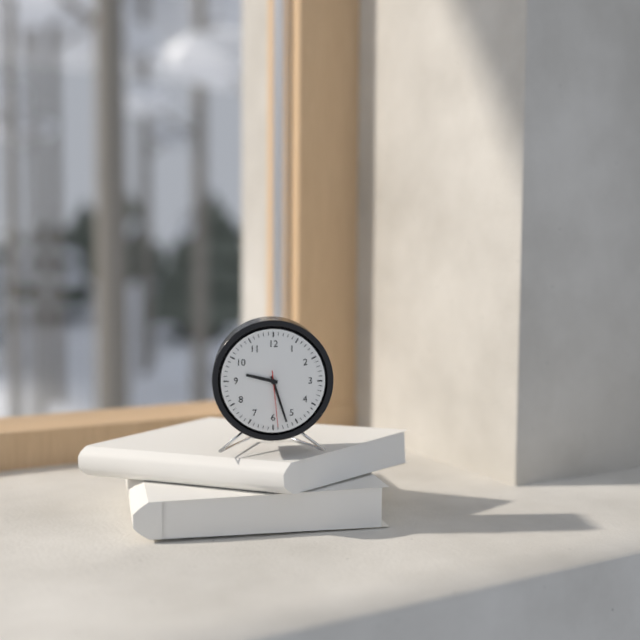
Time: **9:27:29**
